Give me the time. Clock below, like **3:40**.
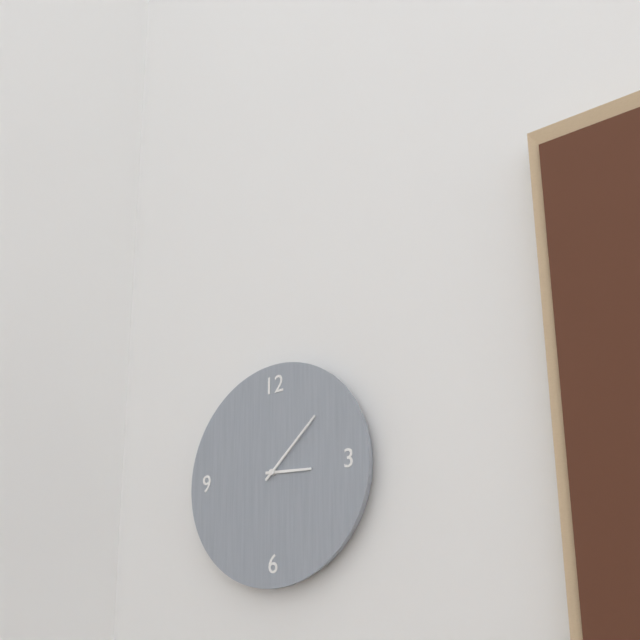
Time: **3:08**
